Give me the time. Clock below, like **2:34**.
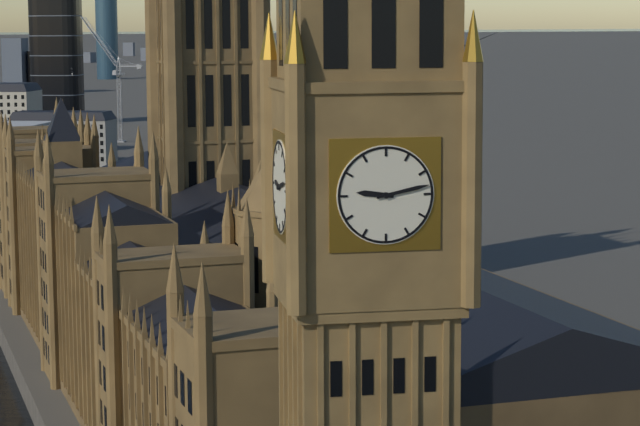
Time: **9:13**
